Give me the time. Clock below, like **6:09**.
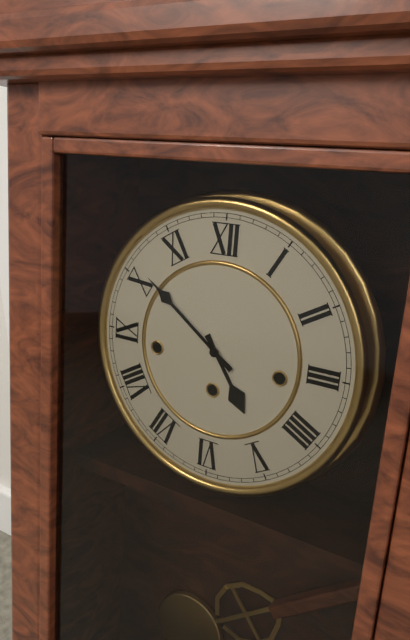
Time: **4:51**
